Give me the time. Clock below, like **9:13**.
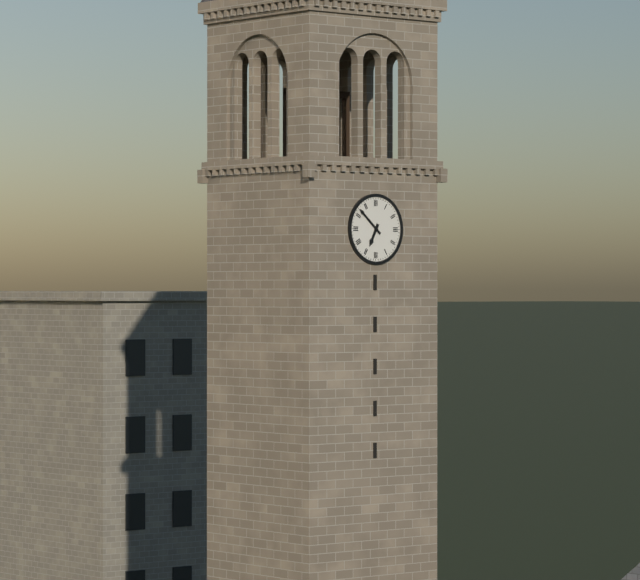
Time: **6:52**
